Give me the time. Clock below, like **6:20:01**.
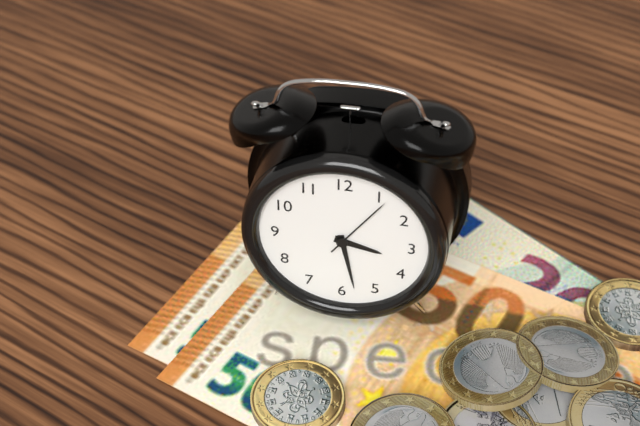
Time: **3:28:06**
